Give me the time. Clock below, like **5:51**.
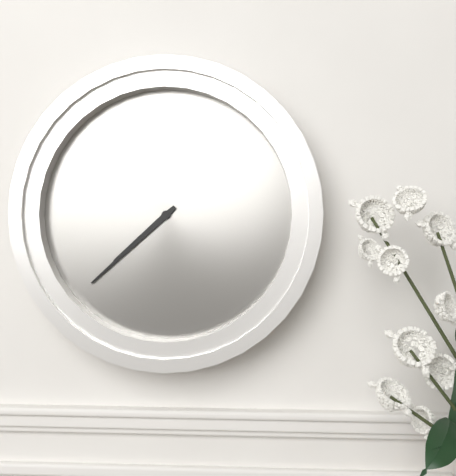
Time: **7:38**
